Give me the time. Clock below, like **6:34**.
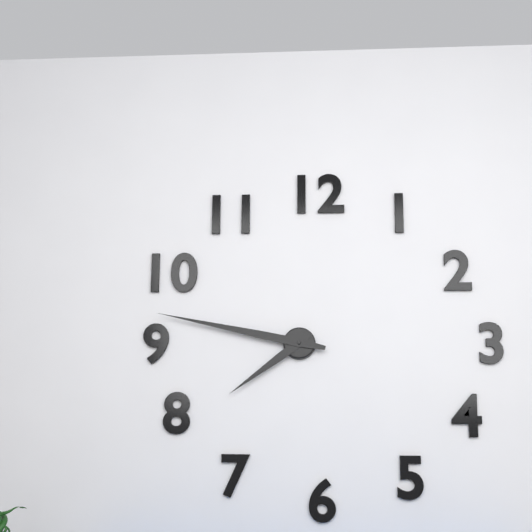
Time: **7:47**
